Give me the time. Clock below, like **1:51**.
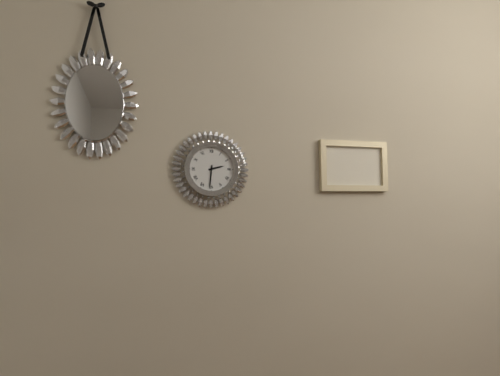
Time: **2:31**
